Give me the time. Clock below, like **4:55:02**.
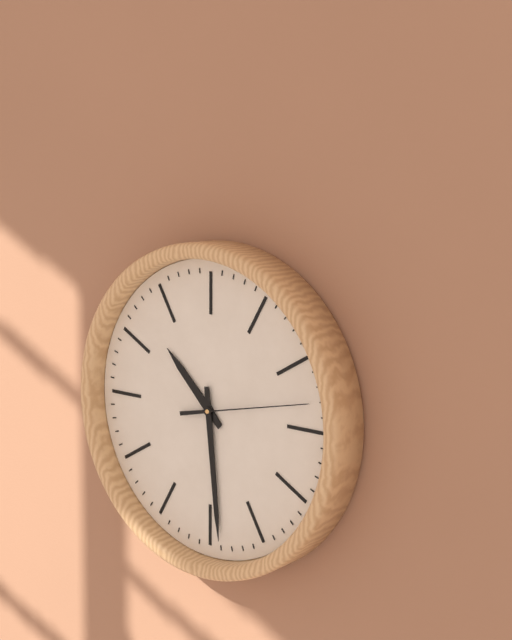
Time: **10:29:13**
